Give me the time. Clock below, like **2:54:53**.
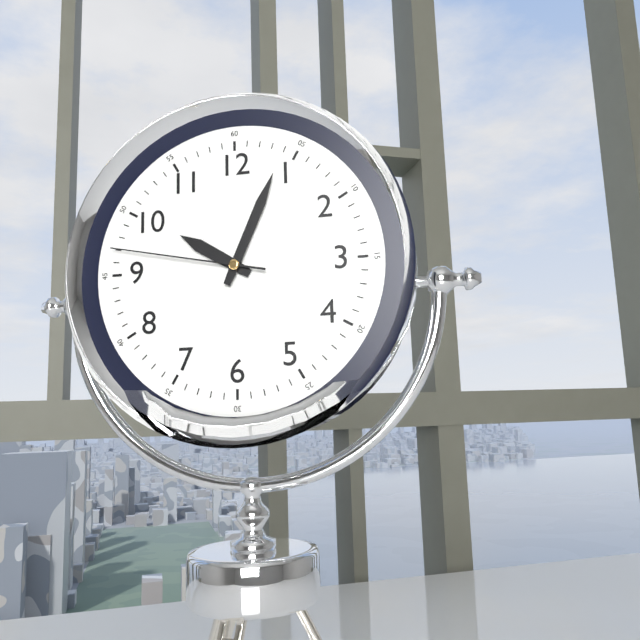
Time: **10:04:47**
